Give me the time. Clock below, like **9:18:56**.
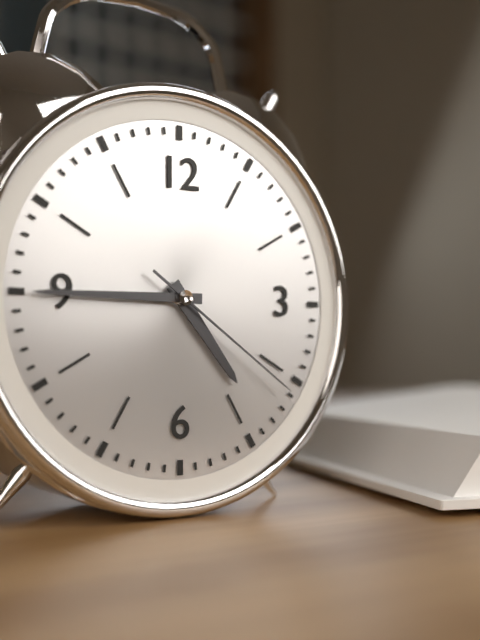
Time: **4:45:21**
